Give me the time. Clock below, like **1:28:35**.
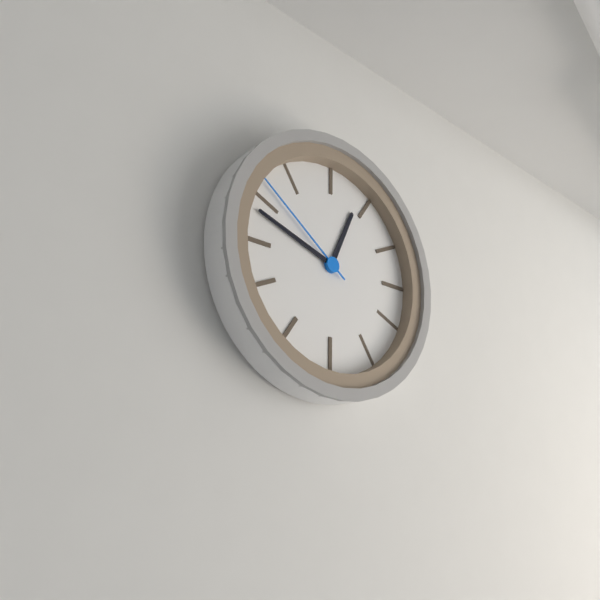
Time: **12:48:51**
